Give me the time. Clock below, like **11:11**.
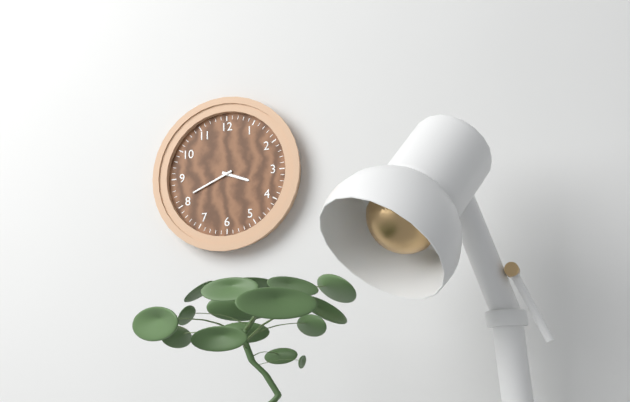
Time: **3:41**
